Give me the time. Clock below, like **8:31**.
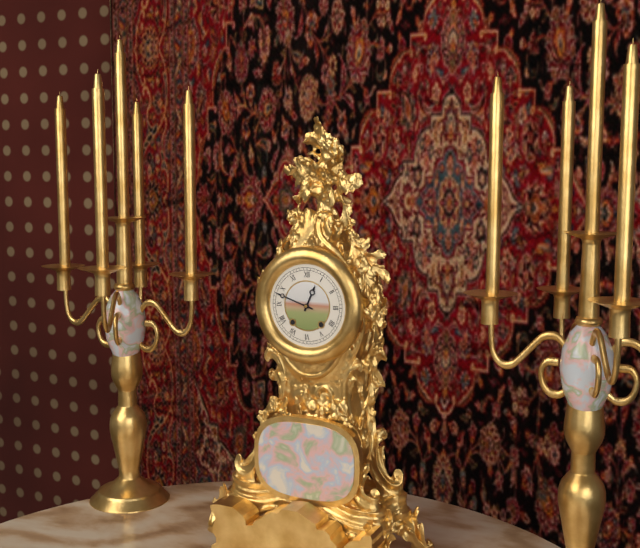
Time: **12:48**
